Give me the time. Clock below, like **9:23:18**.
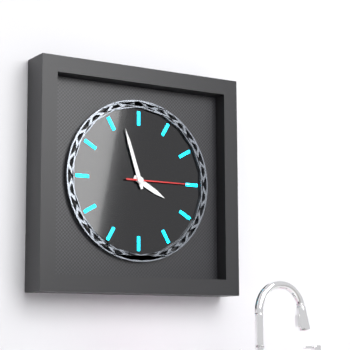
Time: **3:57:15**
